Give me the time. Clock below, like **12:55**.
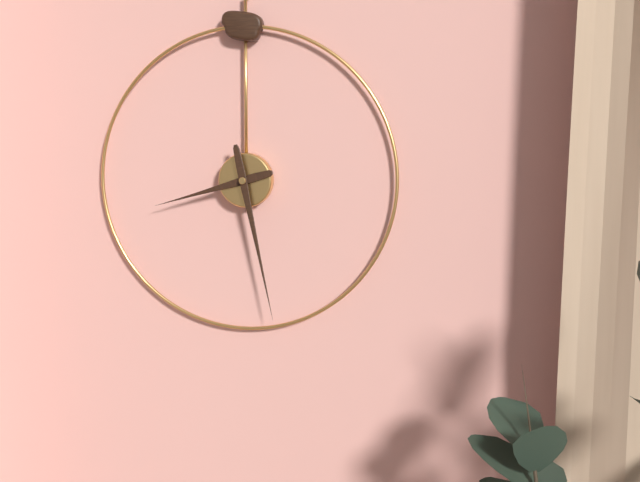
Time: **8:28**
